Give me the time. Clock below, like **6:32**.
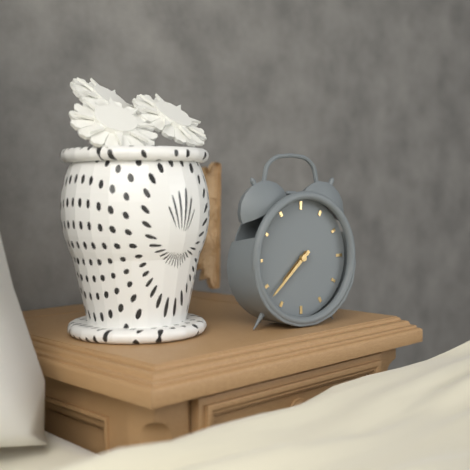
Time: **7:38**
